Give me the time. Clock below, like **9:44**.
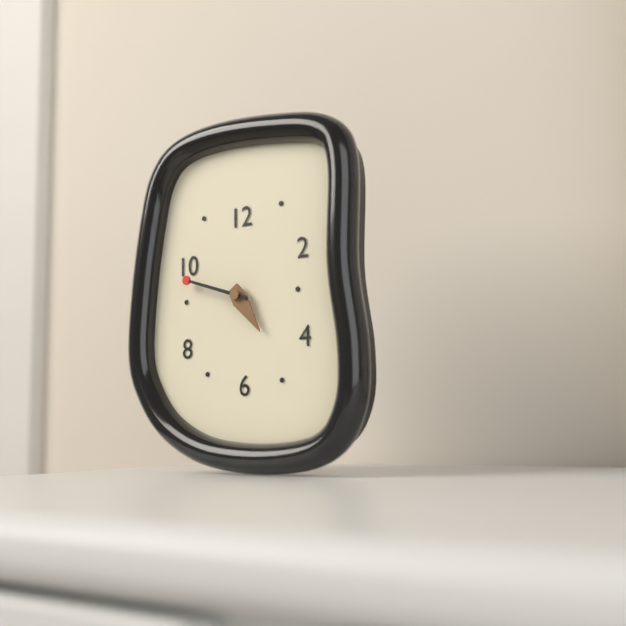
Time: **4:48**
